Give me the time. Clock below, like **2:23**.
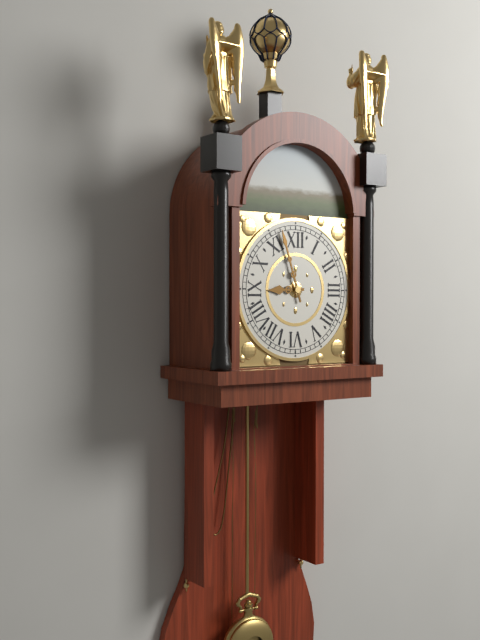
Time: **8:57**
